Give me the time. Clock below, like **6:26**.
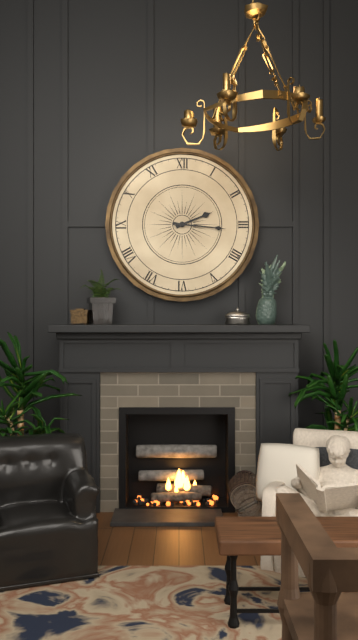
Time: **2:16**
